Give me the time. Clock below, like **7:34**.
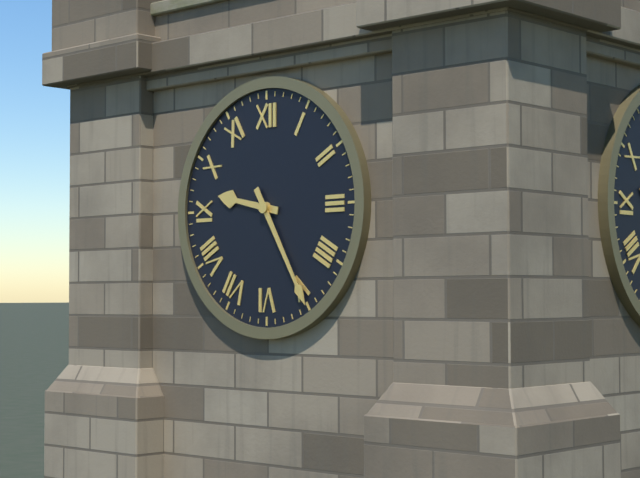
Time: **9:25**
